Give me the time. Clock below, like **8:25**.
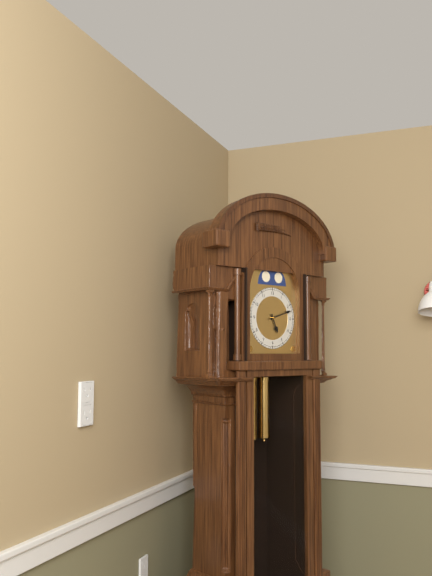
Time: **5:12**
